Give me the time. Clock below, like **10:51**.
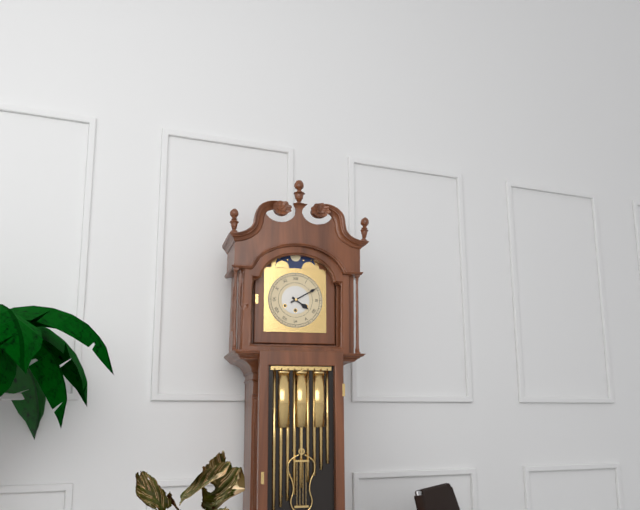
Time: **4:10**
